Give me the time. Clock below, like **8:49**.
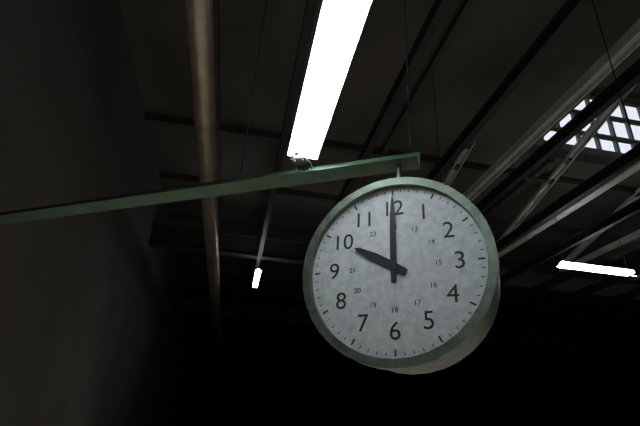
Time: **10:00**
